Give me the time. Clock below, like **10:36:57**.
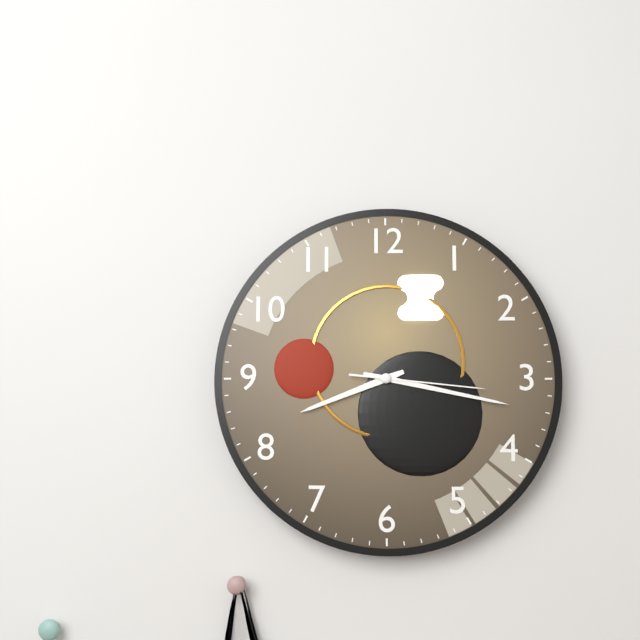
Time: **8:17:16**
